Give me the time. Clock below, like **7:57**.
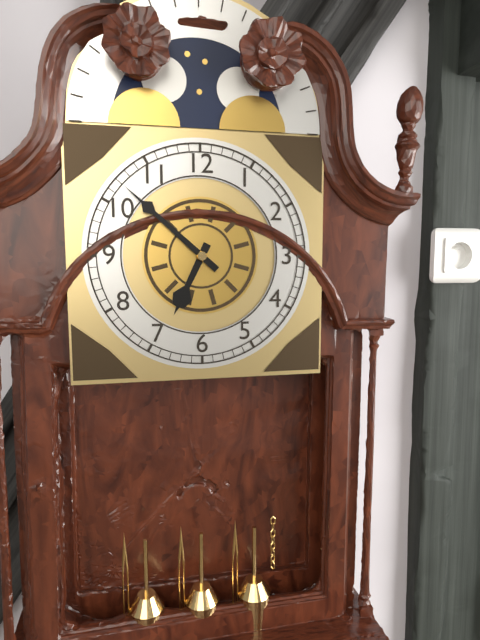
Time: **6:52**
